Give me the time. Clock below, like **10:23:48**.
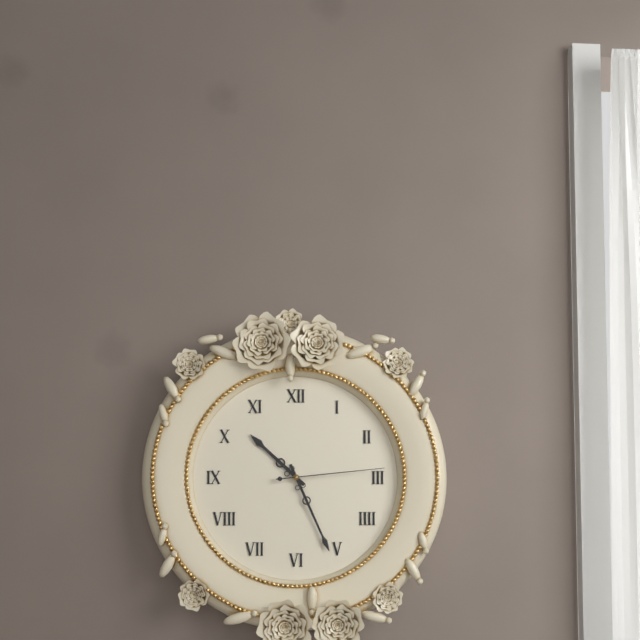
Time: **10:26:14**
